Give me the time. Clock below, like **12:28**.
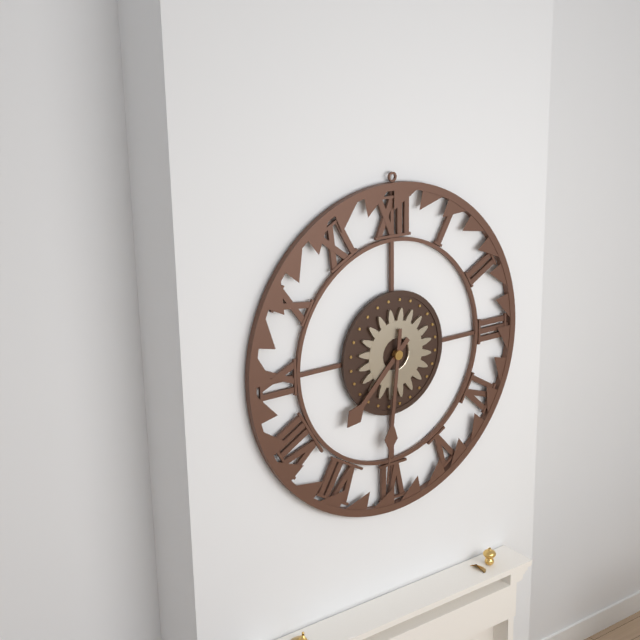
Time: **7:31**
